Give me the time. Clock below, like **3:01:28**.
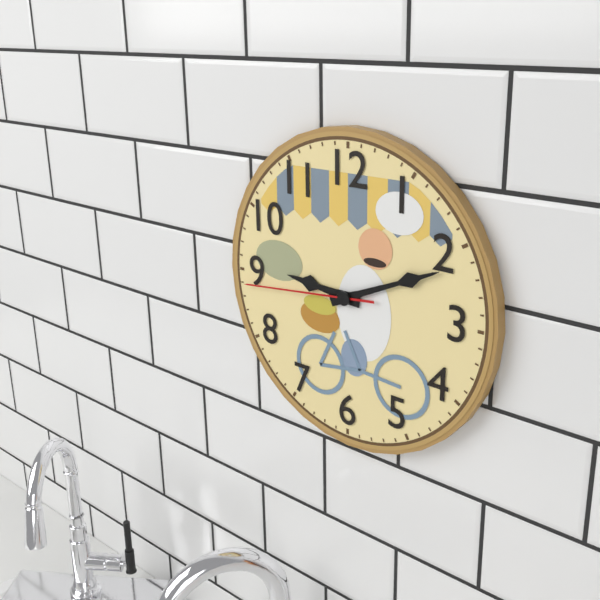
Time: **9:11:44**
